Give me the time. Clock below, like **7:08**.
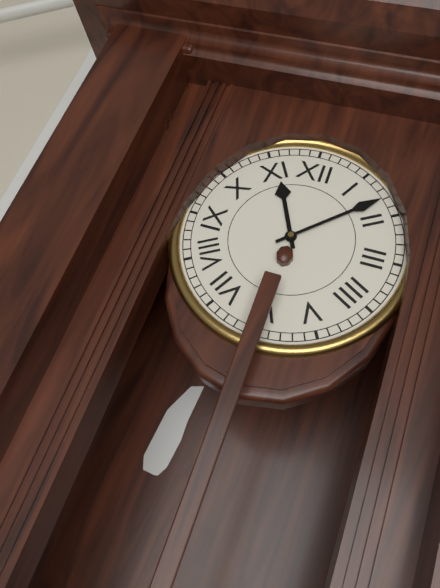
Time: **11:08**
